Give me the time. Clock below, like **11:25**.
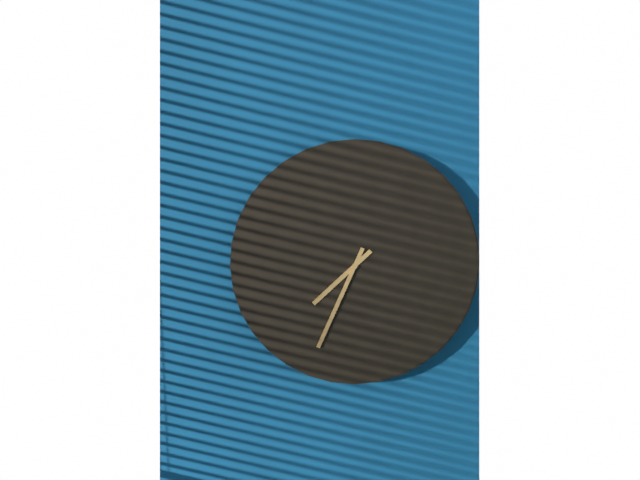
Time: **7:34**
